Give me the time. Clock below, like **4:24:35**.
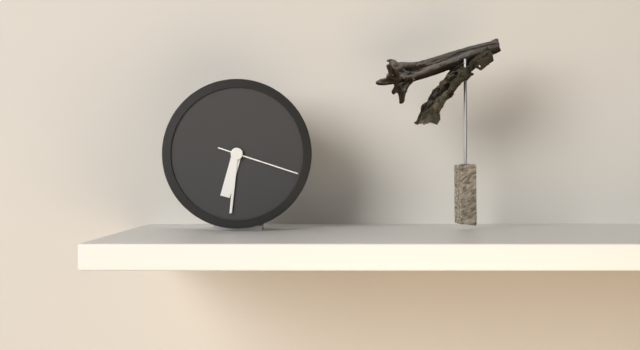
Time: **6:31:18**
